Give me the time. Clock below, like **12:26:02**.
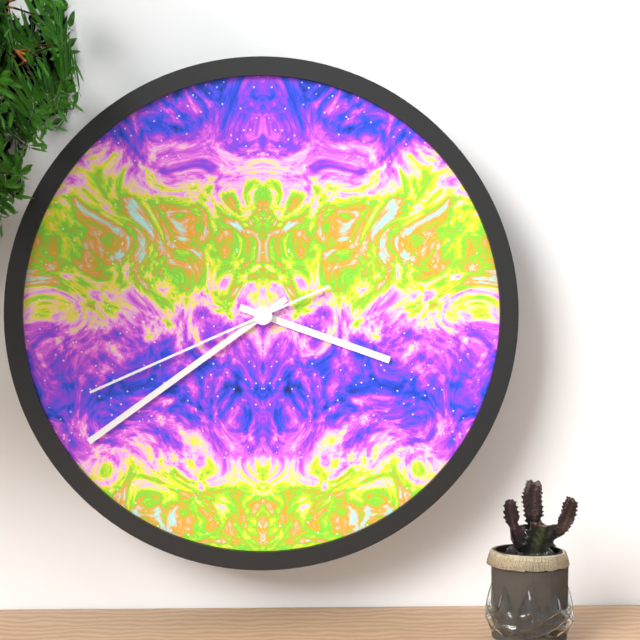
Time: **3:39:41**
